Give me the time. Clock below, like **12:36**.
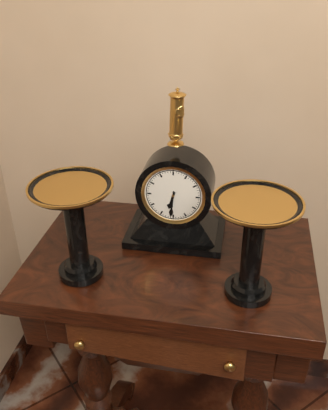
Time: **6:31**
